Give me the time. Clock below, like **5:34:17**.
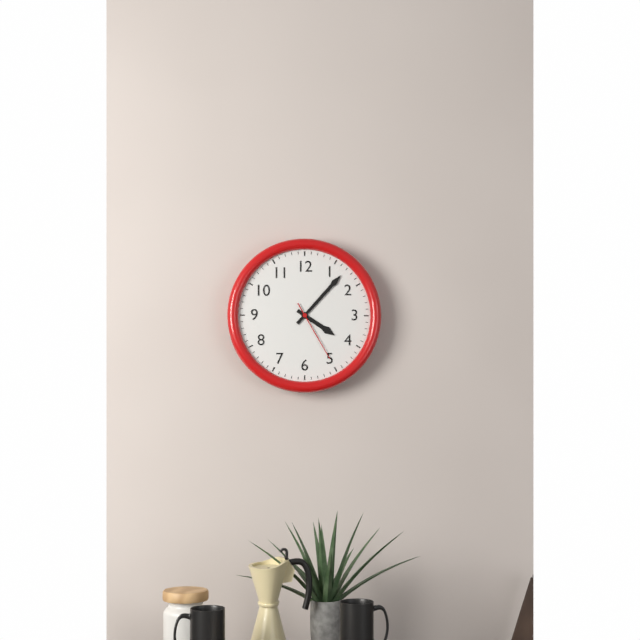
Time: **4:07:25**
